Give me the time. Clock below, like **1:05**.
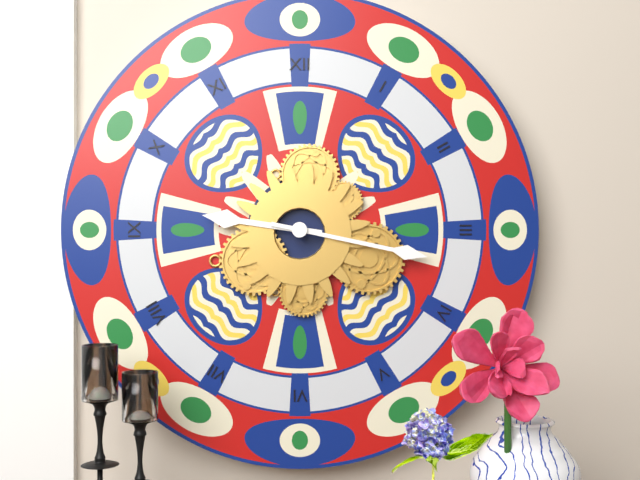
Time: **9:17**
